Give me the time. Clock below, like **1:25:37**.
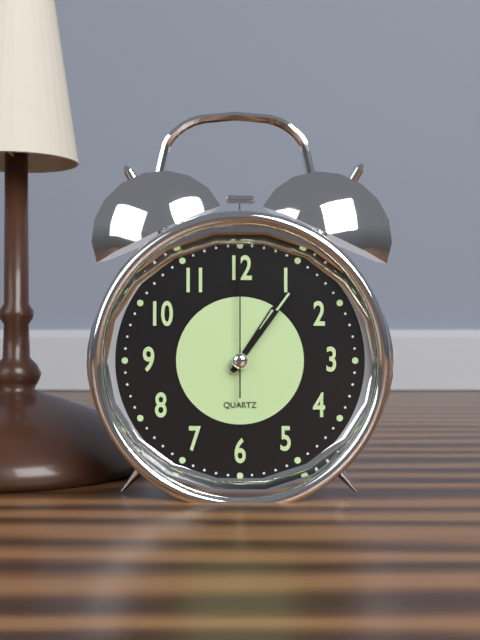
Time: **1:06:00**
